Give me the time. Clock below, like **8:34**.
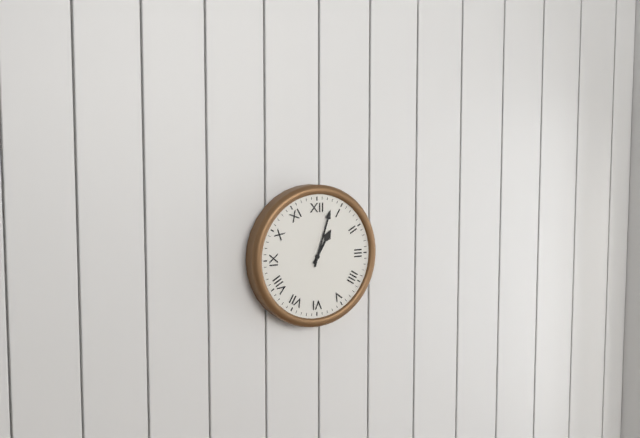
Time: **1:03**
